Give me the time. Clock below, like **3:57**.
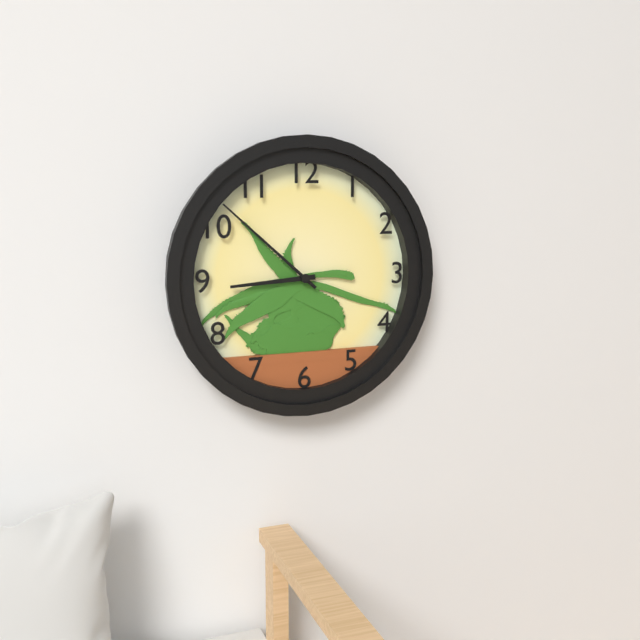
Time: **8:52**
